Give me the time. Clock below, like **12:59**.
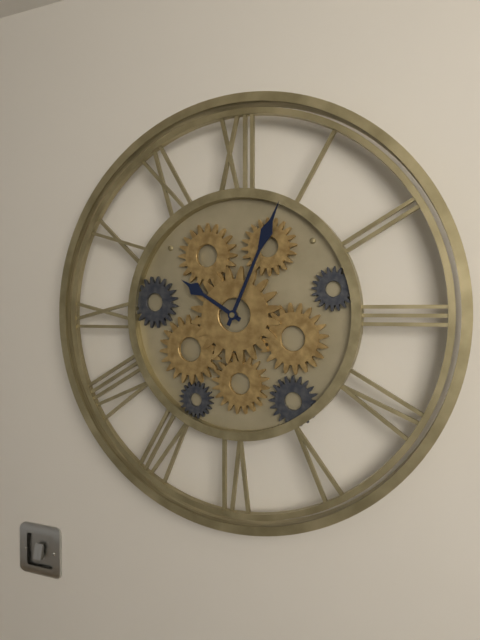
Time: **10:04**
